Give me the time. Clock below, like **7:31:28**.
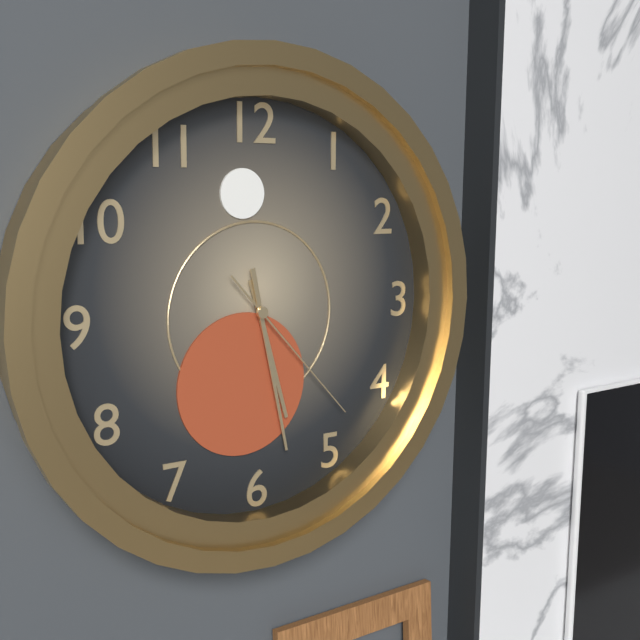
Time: **5:28:23**
